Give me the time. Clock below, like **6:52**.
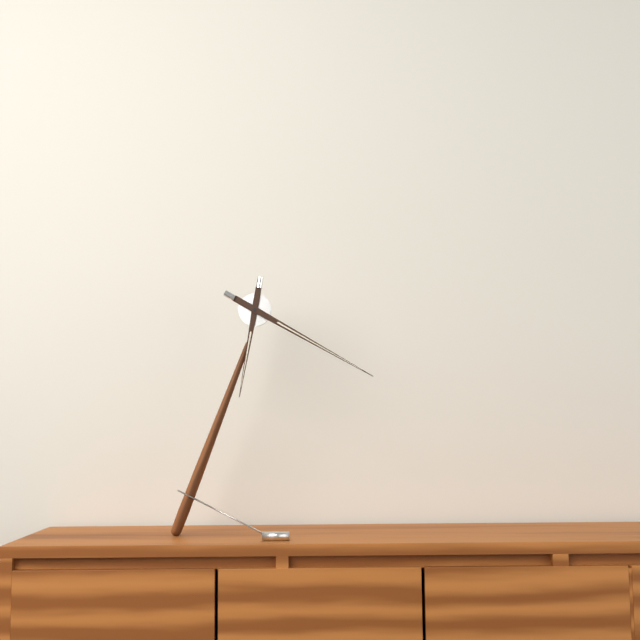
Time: **6:20**
